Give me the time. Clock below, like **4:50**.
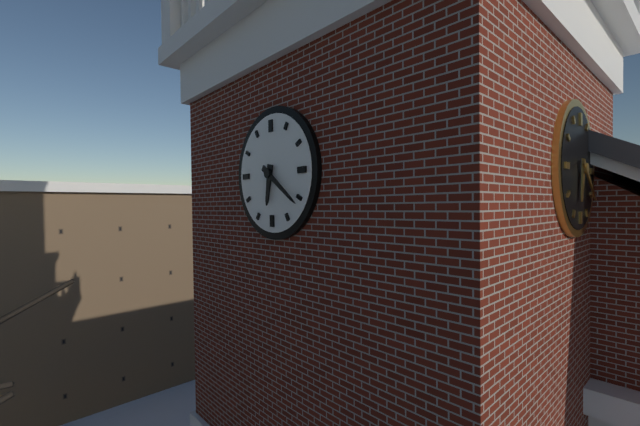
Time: **6:21**
